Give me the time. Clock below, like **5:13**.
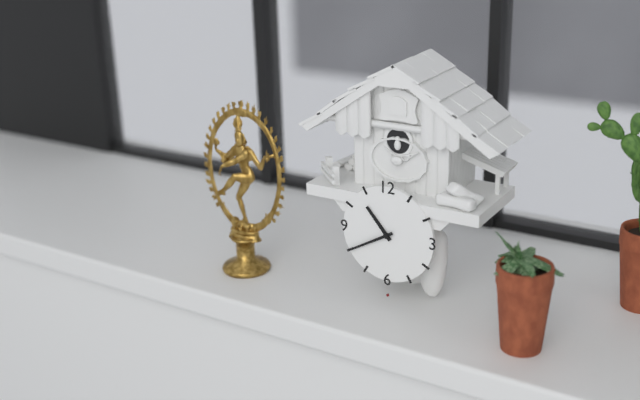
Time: **10:40**
